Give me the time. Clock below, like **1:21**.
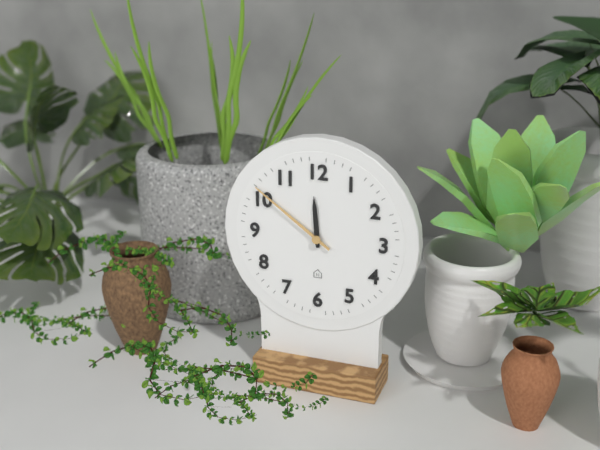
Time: **11:51**
